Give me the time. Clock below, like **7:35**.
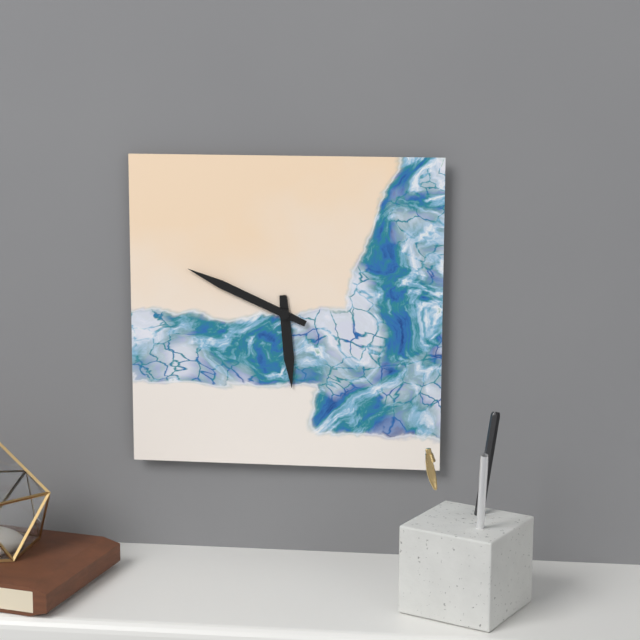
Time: **5:49**
